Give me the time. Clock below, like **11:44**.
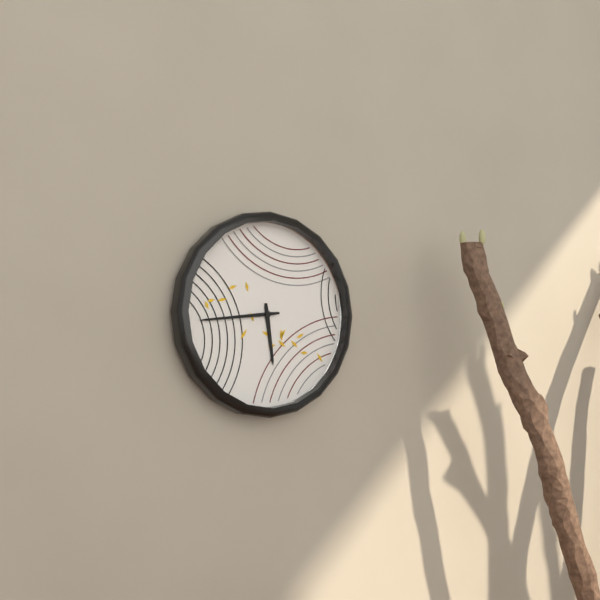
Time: **5:44**
